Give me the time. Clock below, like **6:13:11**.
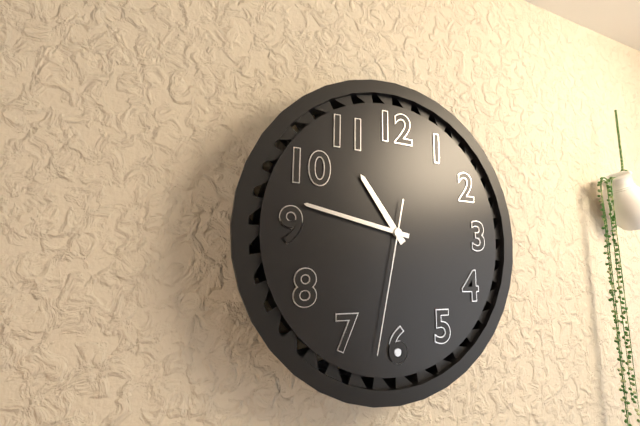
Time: **10:47:32**
